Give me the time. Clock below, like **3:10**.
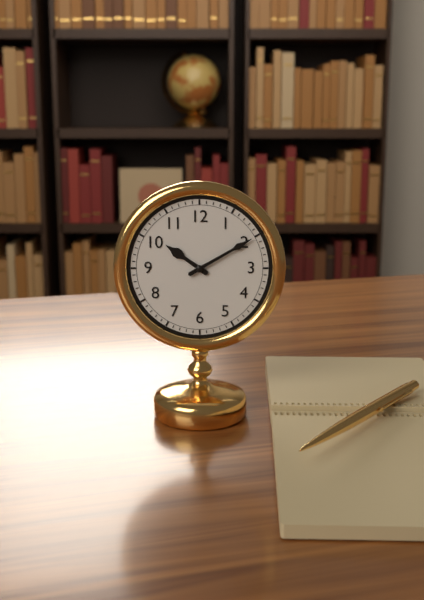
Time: **10:10**
